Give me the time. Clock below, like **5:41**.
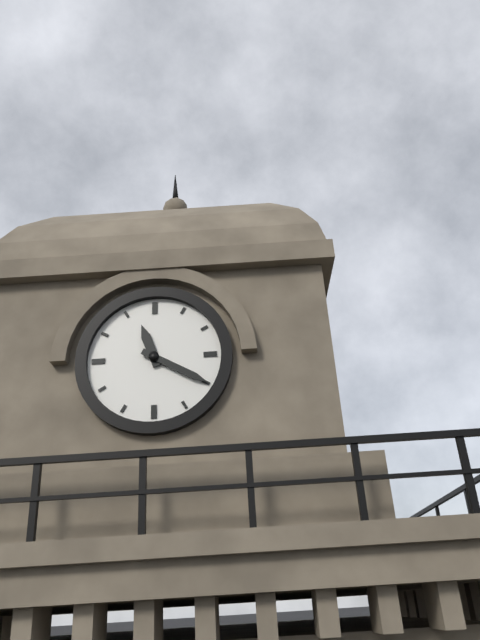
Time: **11:20**
